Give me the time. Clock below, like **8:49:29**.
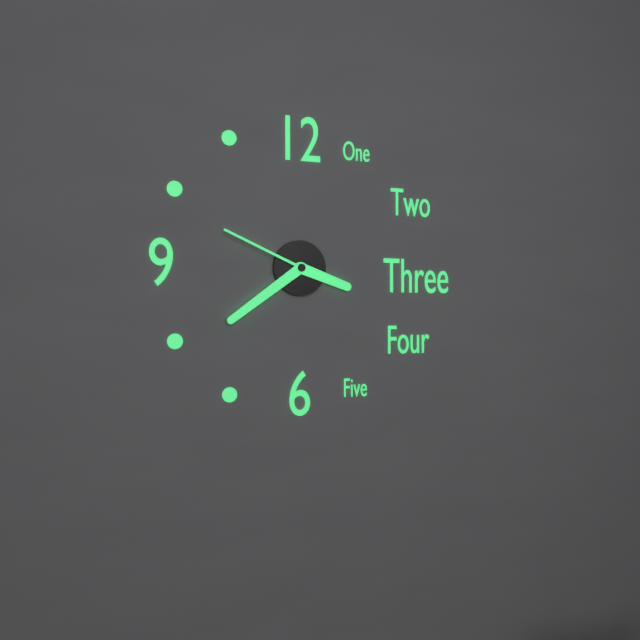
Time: **3:39:49**
